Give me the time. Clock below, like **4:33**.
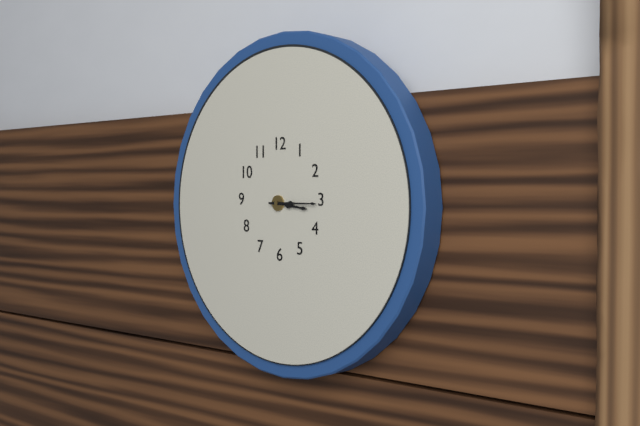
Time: **3:15**
